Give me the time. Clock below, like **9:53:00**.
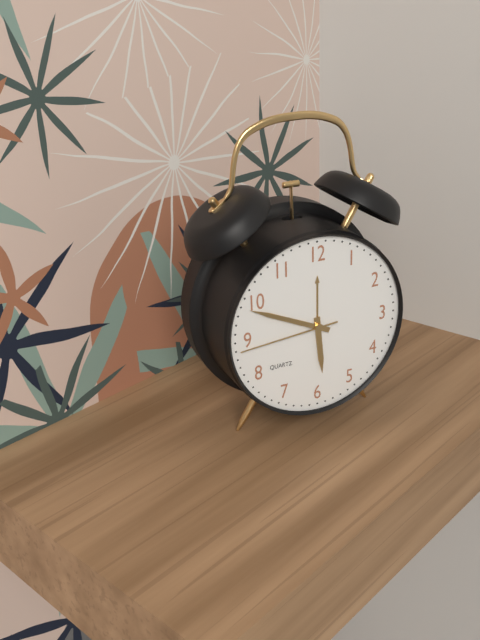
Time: **5:49:44**
